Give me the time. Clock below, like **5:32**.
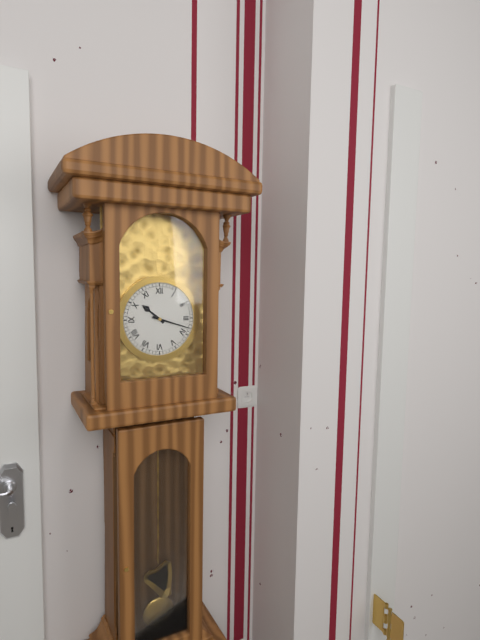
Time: **10:18**
